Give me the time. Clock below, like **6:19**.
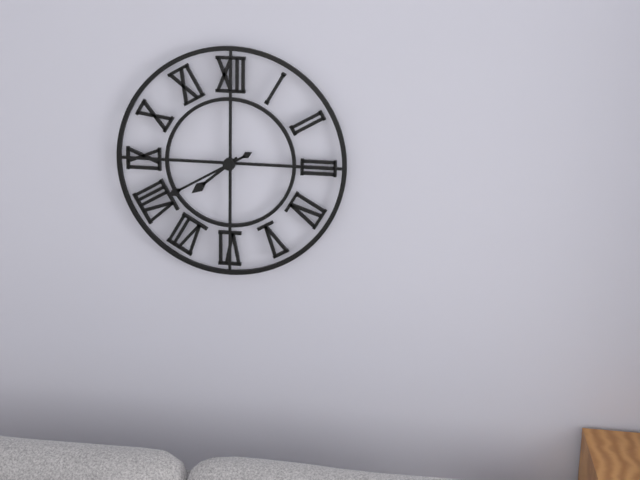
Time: **7:40**
